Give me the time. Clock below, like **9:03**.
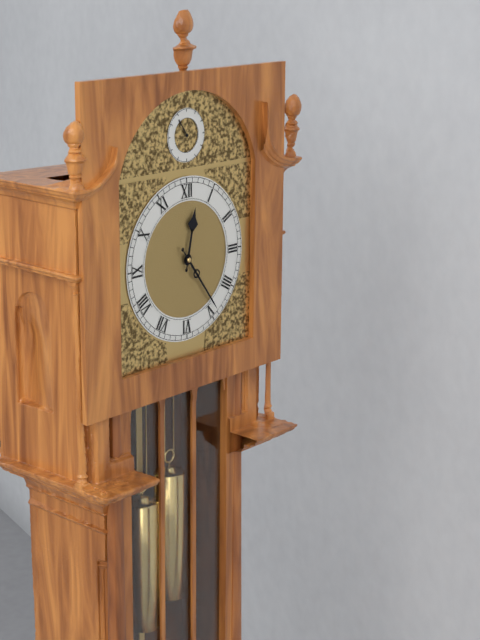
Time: **12:24**
